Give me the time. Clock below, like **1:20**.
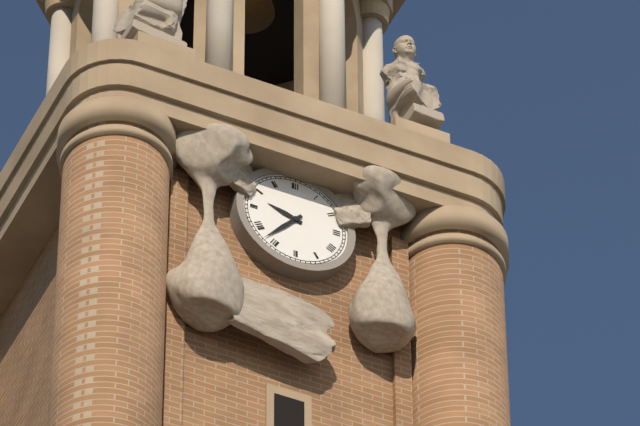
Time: **9:37**
